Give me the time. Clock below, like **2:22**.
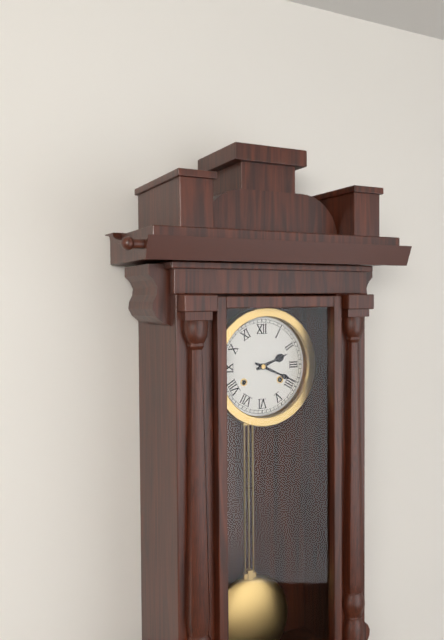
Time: **2:19**
